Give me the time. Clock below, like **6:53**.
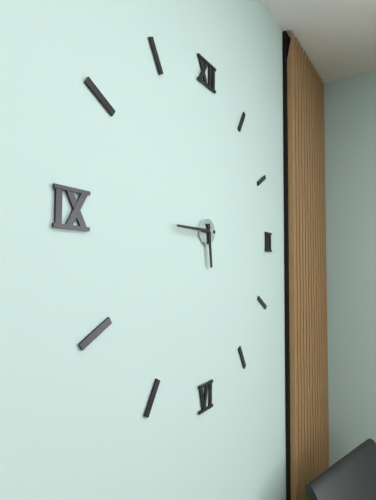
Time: **5:45**
